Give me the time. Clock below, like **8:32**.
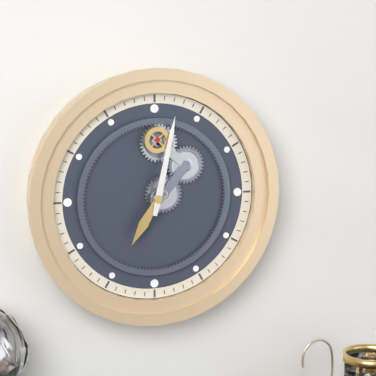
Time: **7:02**
